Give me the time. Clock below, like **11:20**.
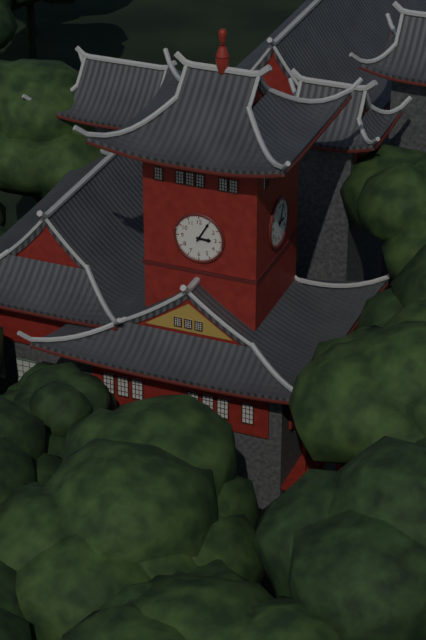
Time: **3:05**
